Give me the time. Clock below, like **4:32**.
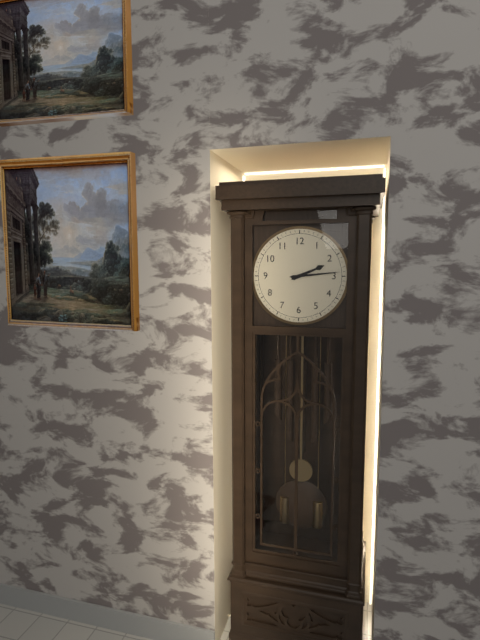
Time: **2:14**
